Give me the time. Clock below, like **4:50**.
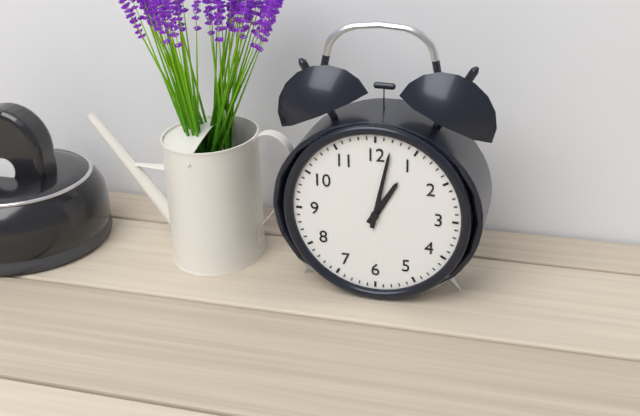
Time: **1:02**
